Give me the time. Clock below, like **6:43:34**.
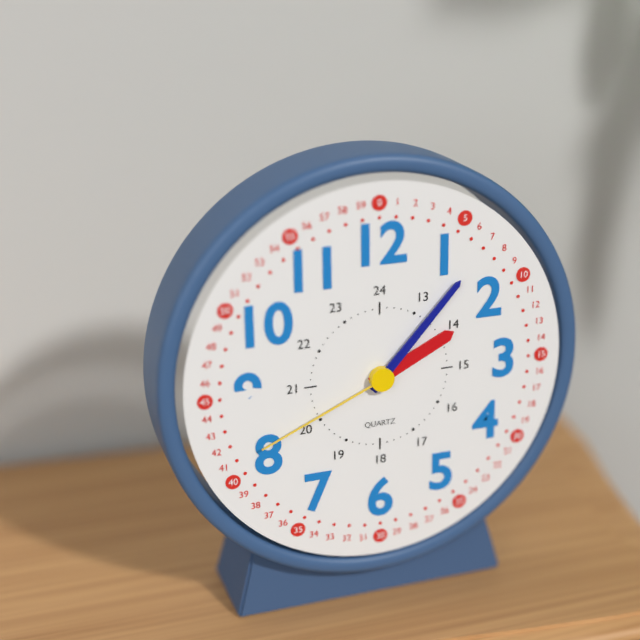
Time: **2:07:41**
